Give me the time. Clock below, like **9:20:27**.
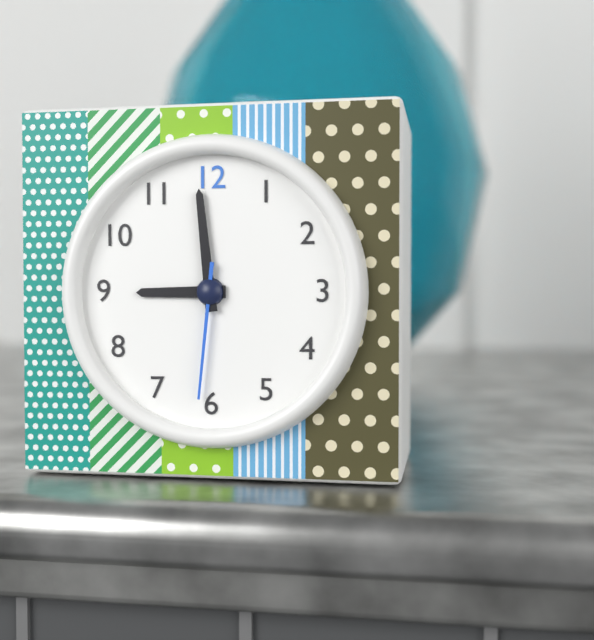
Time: **8:59:31**
